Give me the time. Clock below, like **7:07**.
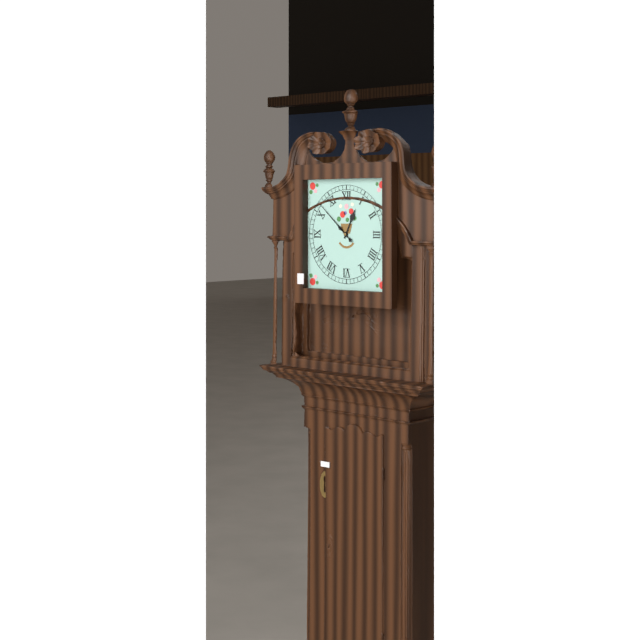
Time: **12:52**
